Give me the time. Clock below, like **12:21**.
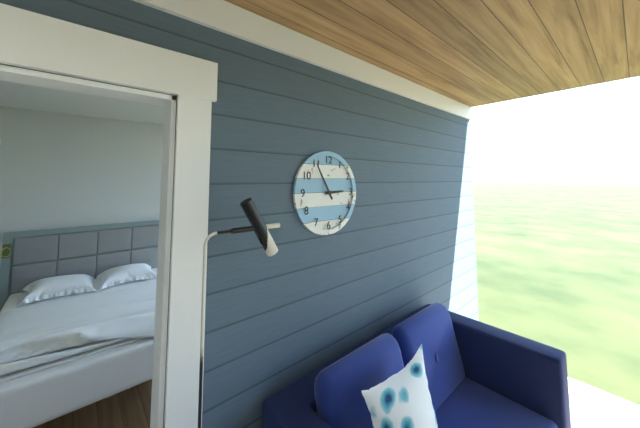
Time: **2:55**
